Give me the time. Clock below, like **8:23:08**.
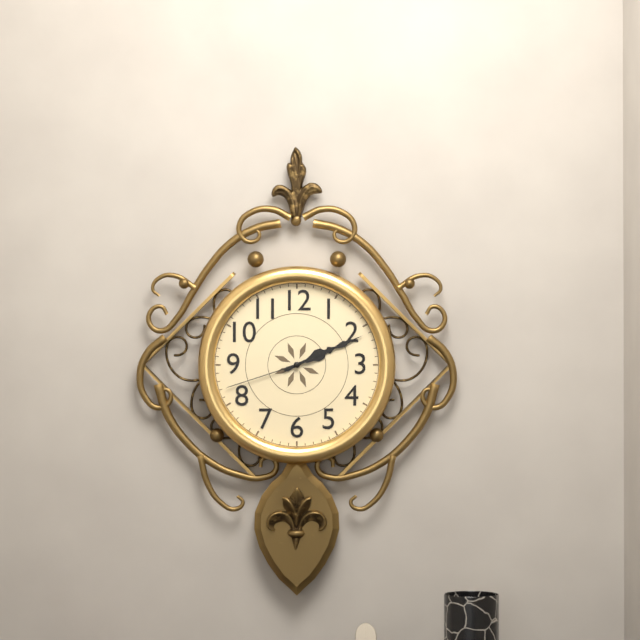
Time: **2:11:42**
